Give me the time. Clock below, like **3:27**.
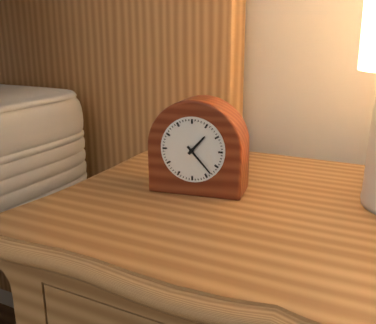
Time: **1:23**
